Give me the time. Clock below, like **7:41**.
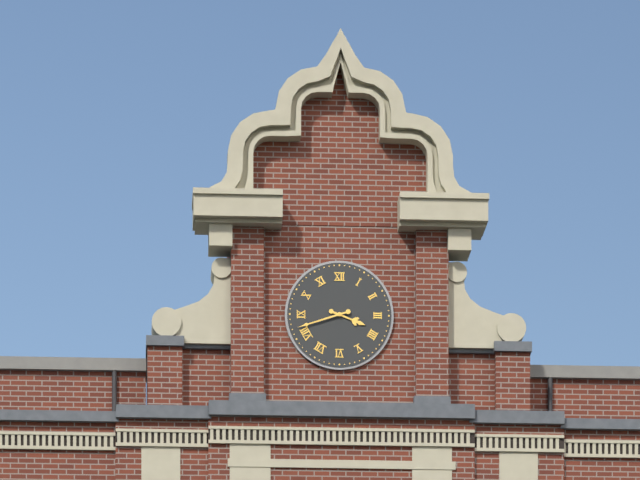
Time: **3:42**
